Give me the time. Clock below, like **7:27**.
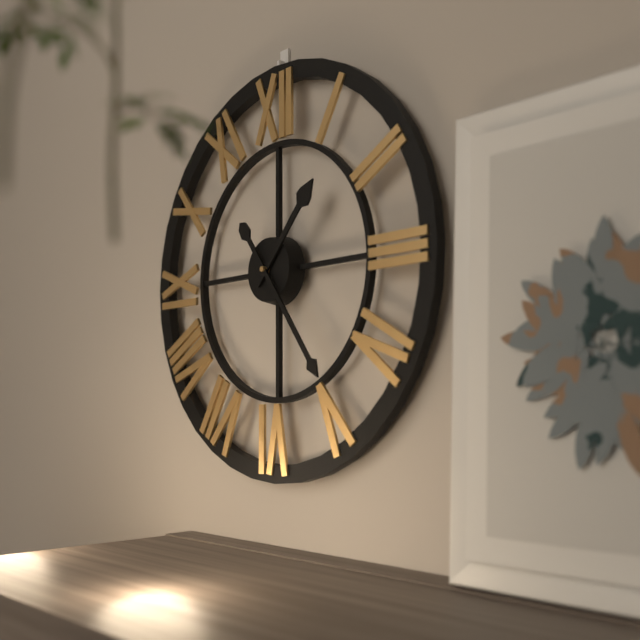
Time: **1:24**
